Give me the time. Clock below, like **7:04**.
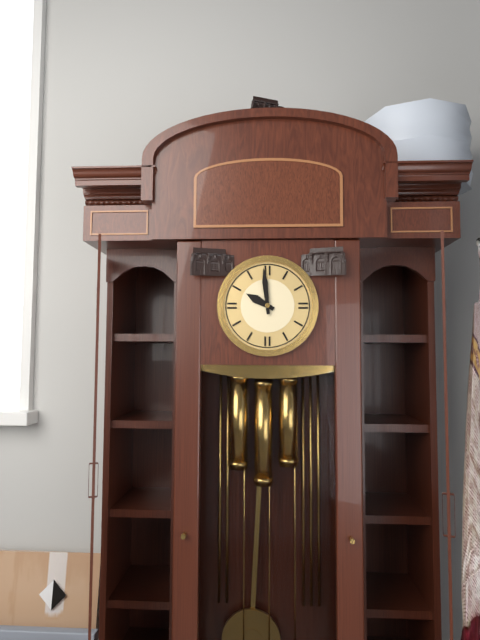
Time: **9:59**
